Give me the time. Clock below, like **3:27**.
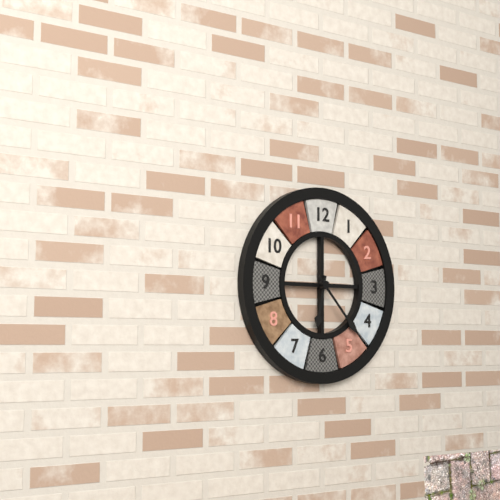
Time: **6:23**
